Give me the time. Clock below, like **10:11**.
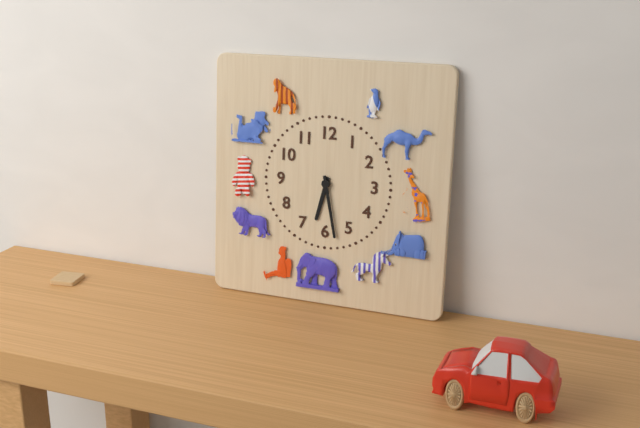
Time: **6:28**
